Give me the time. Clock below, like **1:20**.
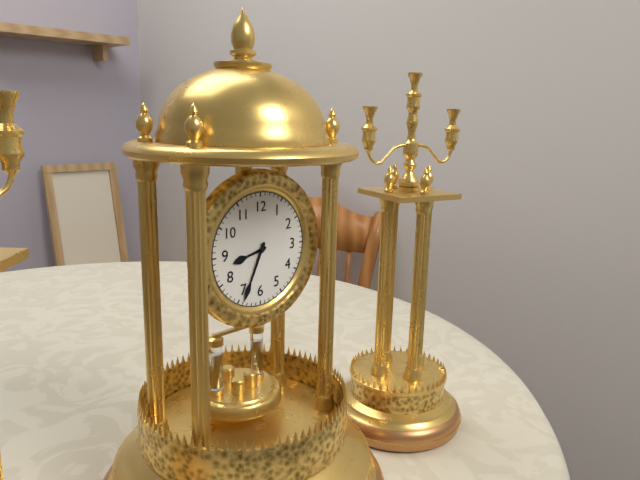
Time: **8:34**
